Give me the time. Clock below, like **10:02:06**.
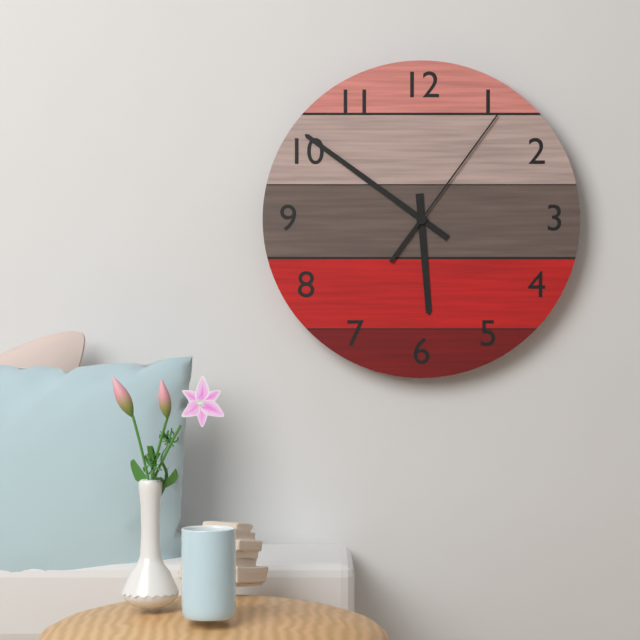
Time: **5:51:06**
